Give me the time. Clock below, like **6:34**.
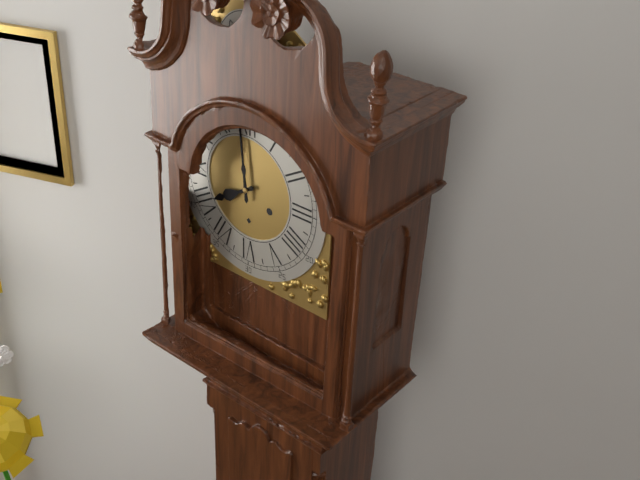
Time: **7:59**
